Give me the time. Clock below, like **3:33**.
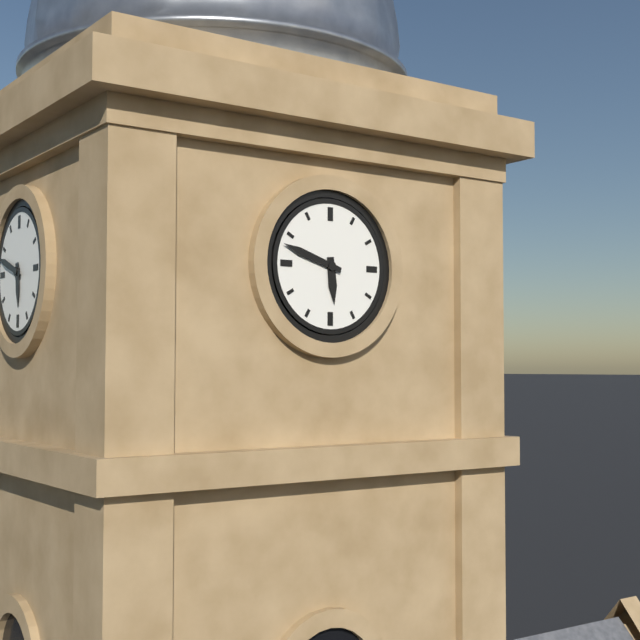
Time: **5:48**
